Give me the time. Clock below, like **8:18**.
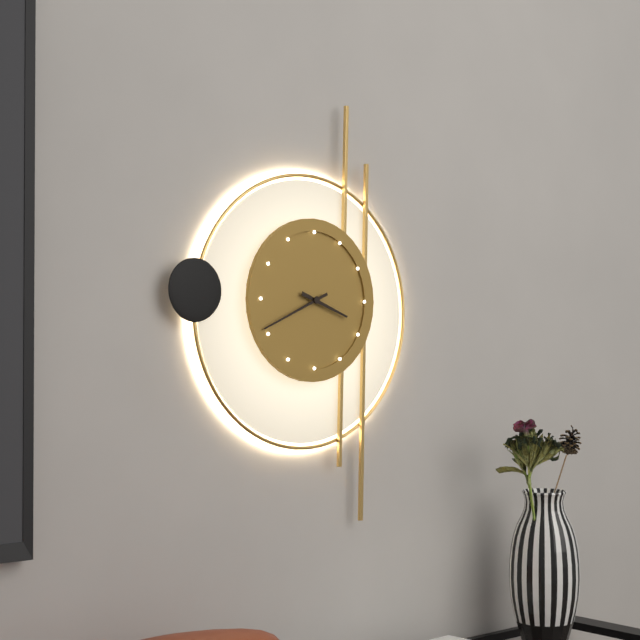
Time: **3:41**
